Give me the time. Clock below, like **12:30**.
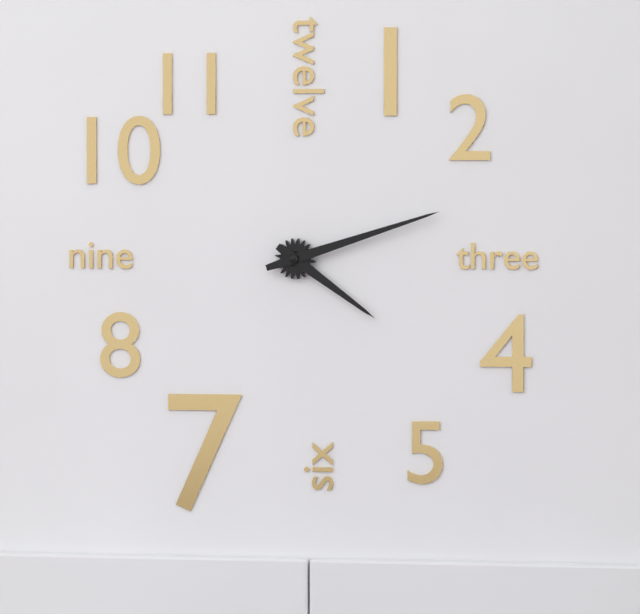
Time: **4:12**
